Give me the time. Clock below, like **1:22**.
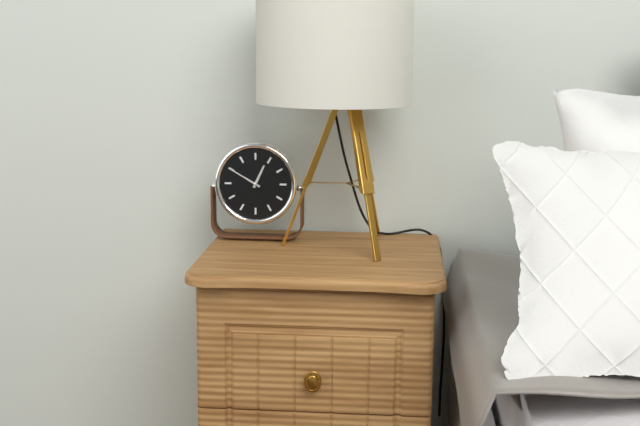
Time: **12:50**
